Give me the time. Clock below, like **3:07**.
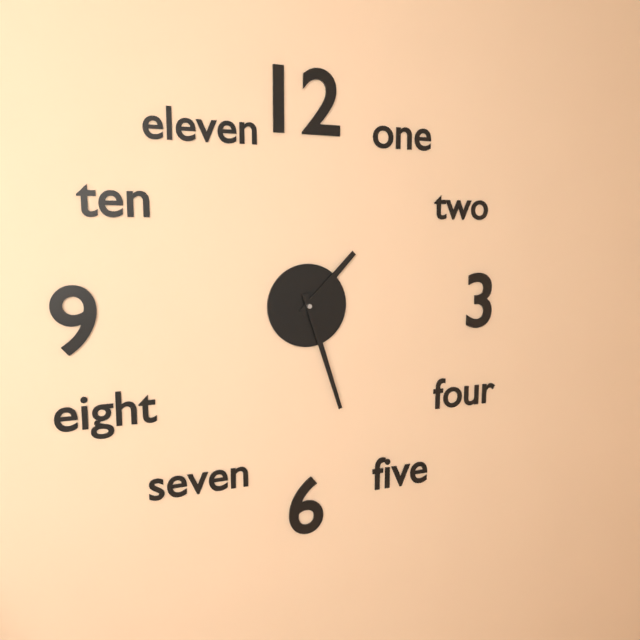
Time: **1:27**
